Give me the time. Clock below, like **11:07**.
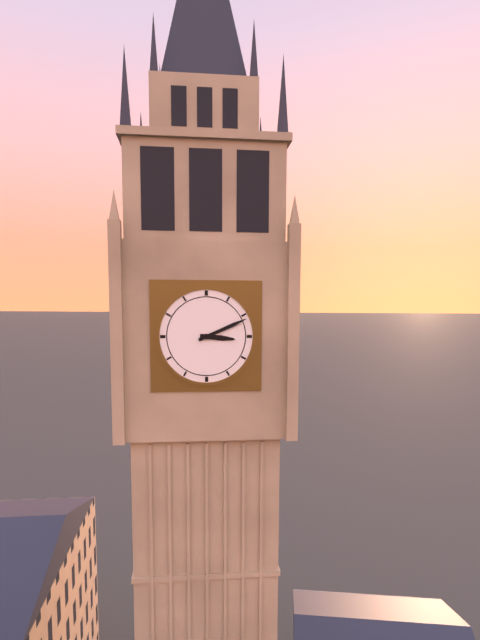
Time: **3:11**
